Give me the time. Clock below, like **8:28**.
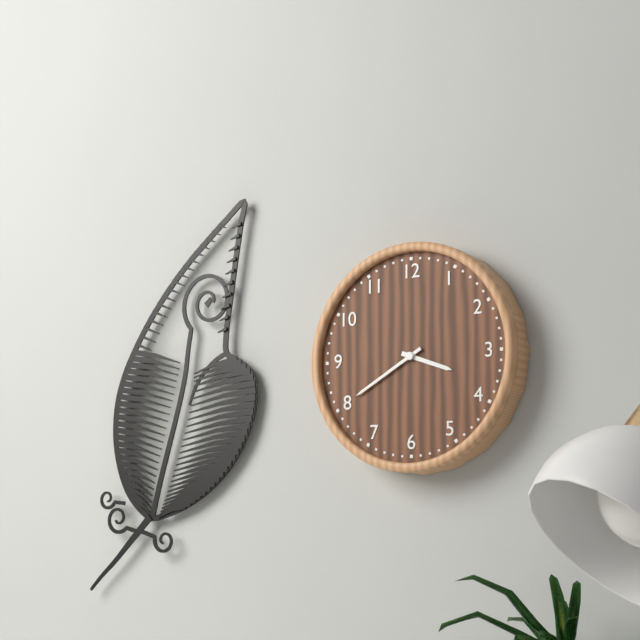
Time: **3:40**
